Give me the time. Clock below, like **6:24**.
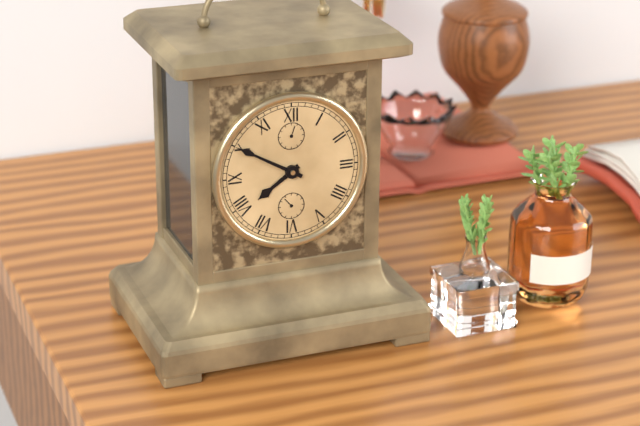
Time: **7:50**
